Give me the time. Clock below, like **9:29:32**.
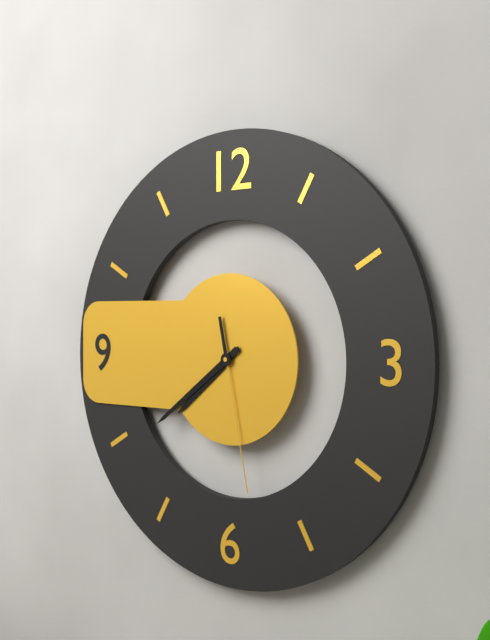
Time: **7:39:28**
